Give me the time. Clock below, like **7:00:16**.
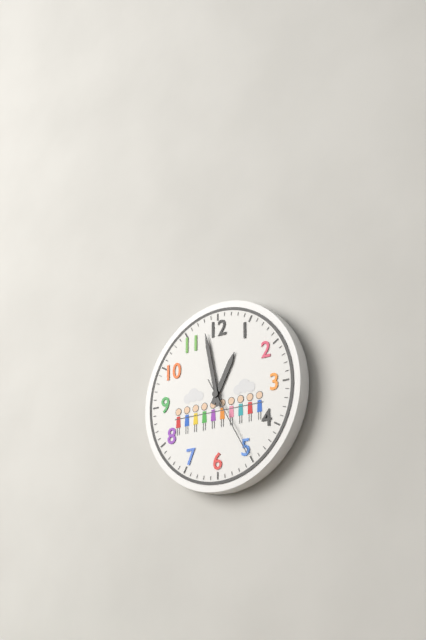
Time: **12:58:25**
